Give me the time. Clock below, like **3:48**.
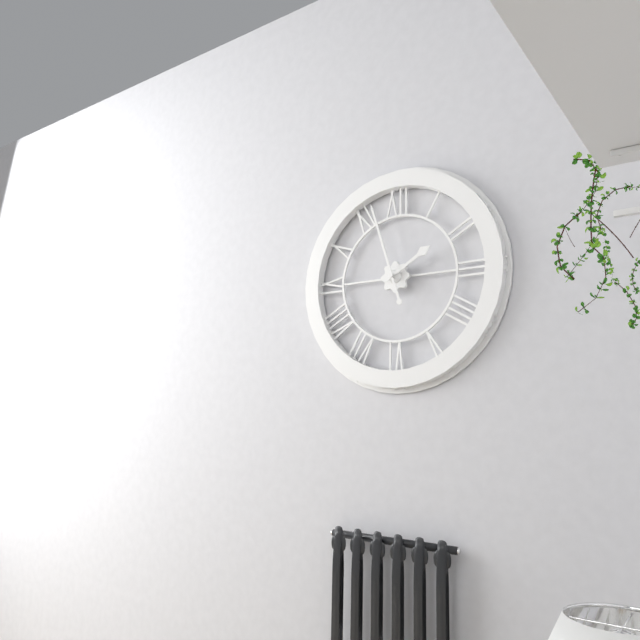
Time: **1:57**
